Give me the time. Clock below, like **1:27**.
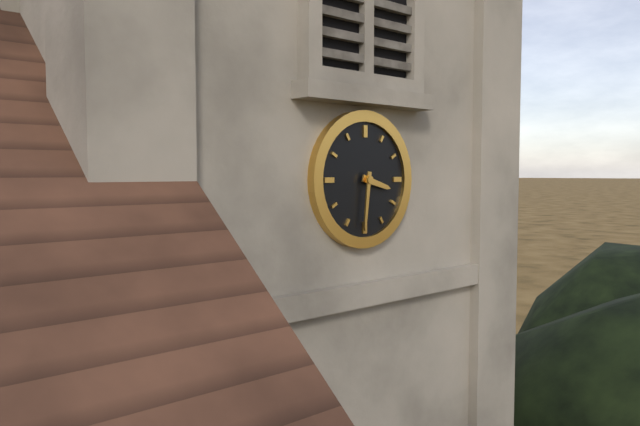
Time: **3:31**
